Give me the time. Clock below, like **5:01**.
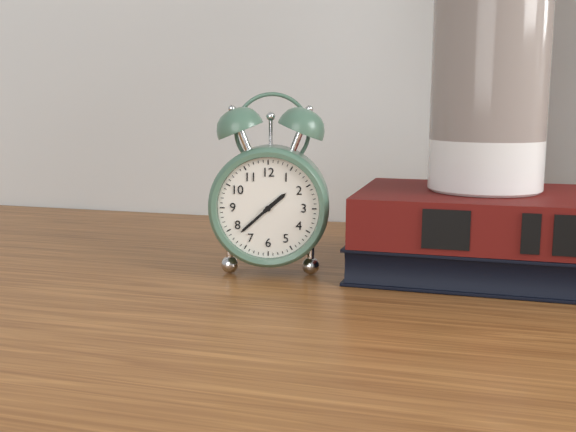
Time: **1:38**
